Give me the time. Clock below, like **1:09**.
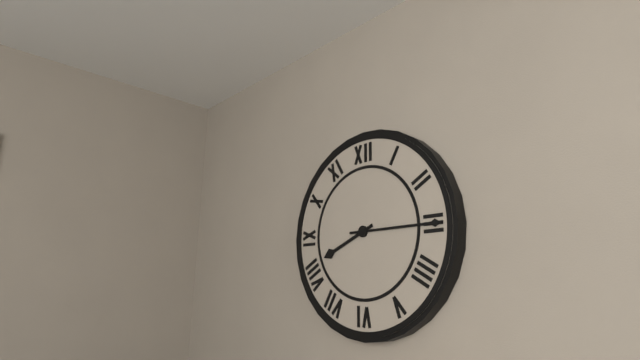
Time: **8:15**
